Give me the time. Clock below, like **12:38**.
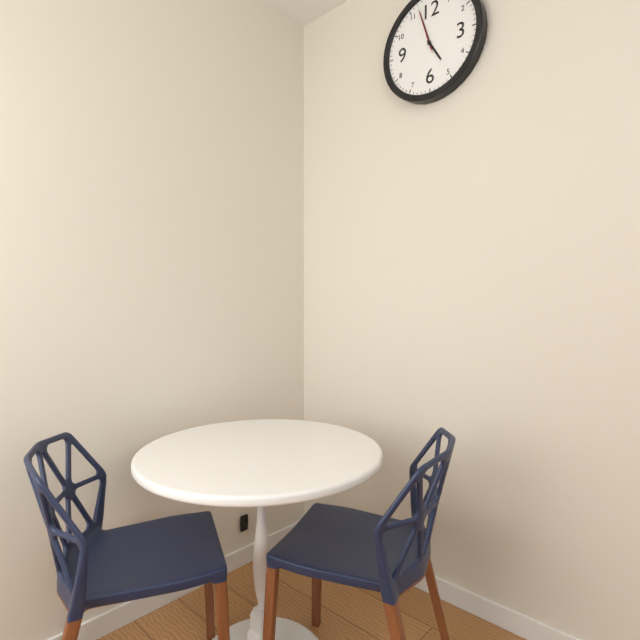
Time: **4:57**
